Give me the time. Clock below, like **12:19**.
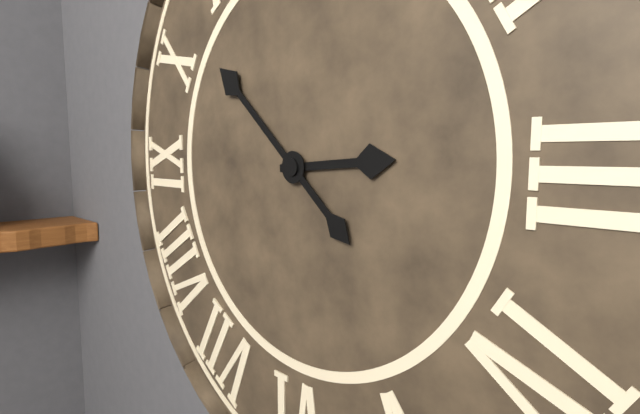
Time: **2:52**
